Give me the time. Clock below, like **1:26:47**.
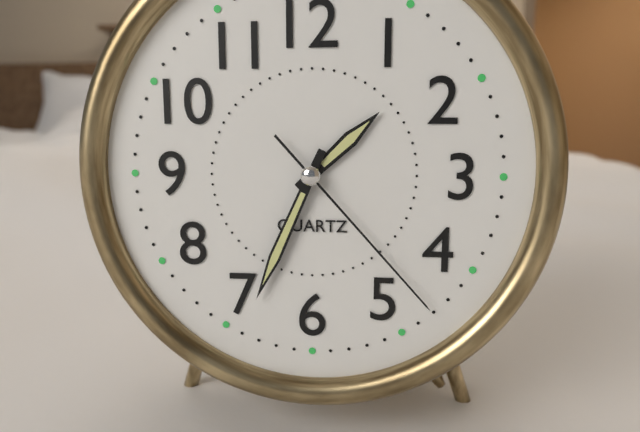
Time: **1:34:23**
